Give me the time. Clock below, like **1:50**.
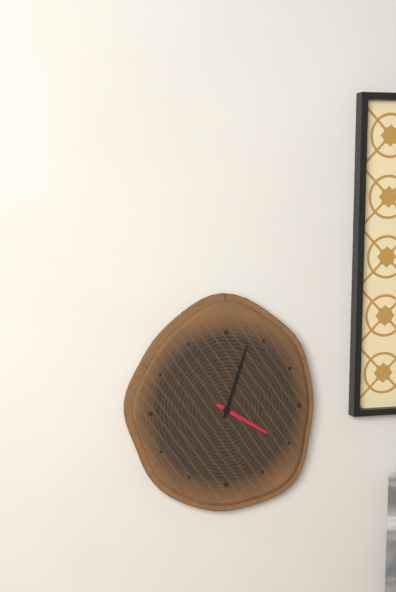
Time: **4:03**
